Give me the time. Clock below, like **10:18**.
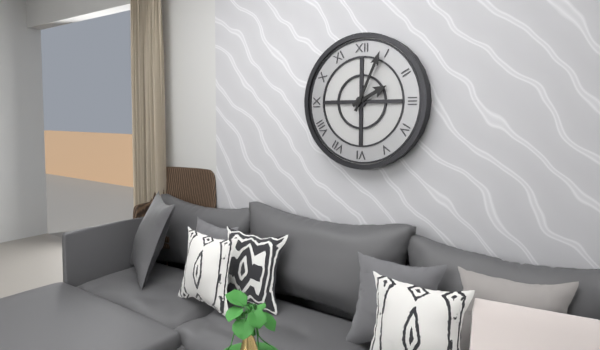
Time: **2:04**
